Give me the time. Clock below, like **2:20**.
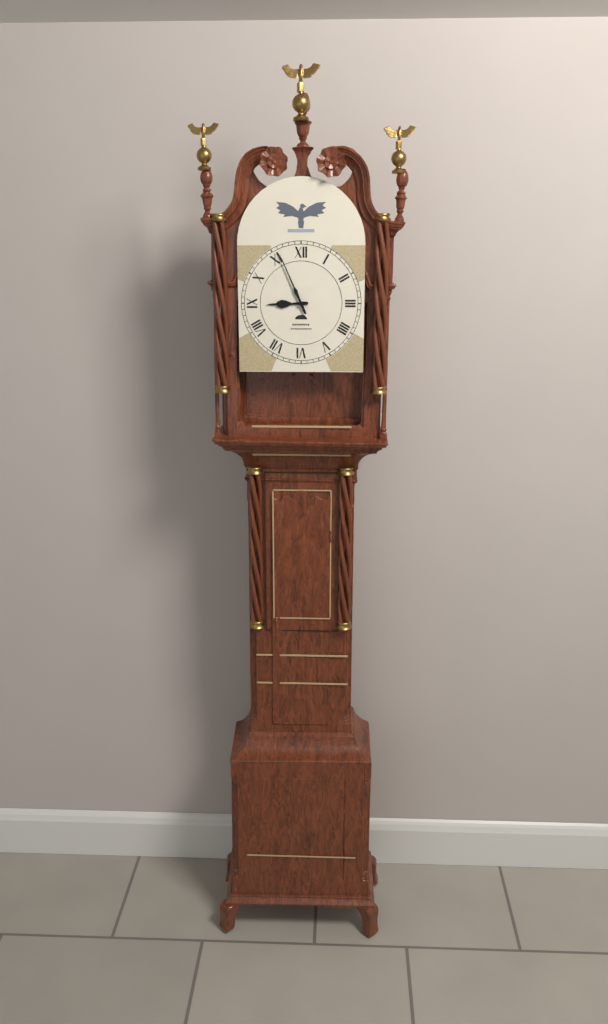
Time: **8:56**
